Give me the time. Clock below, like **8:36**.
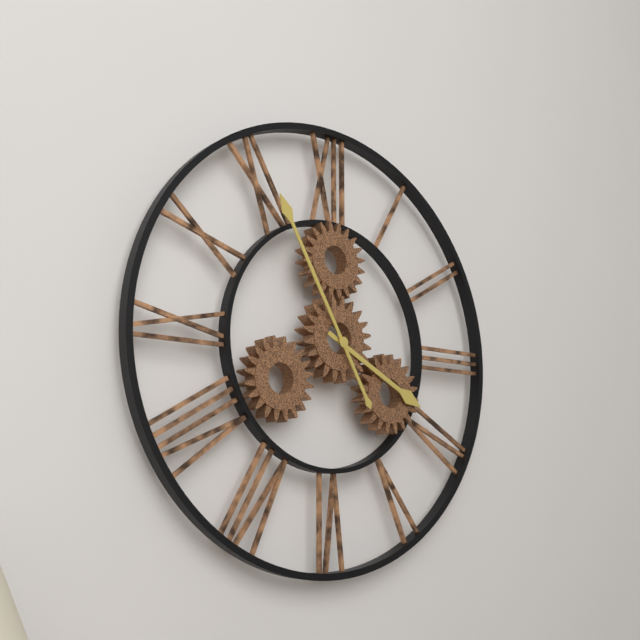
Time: **3:55**
